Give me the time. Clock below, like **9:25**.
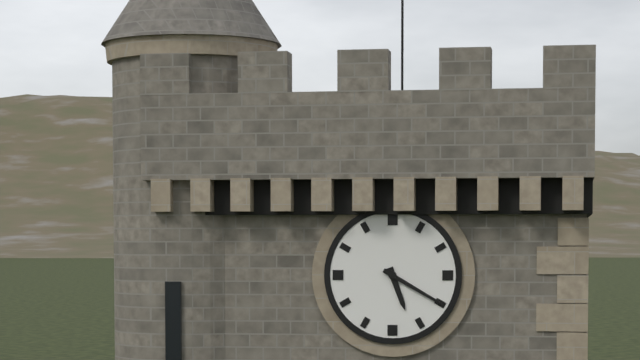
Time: **5:20**
